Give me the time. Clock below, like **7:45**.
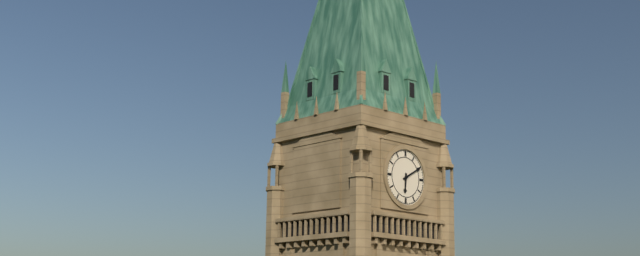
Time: **6:10**
